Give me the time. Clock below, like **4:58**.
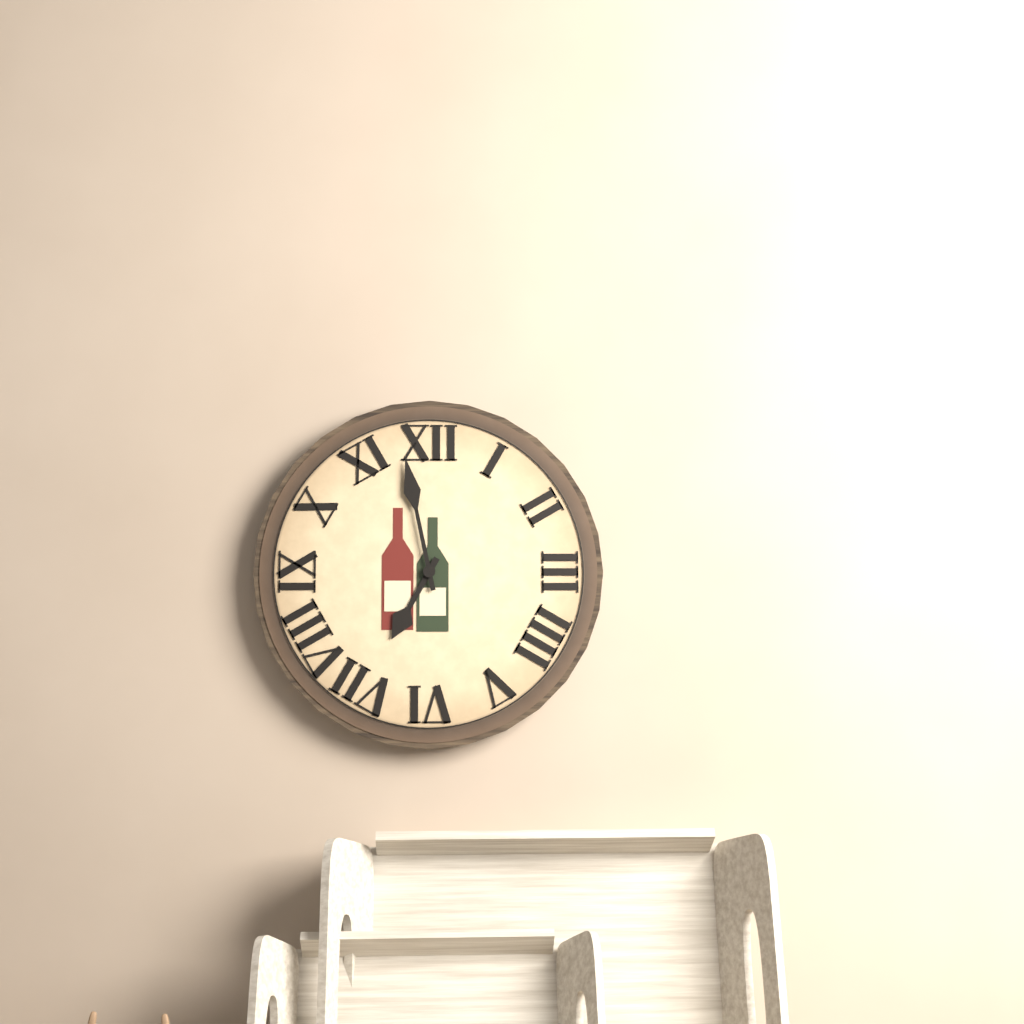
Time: **6:58**
